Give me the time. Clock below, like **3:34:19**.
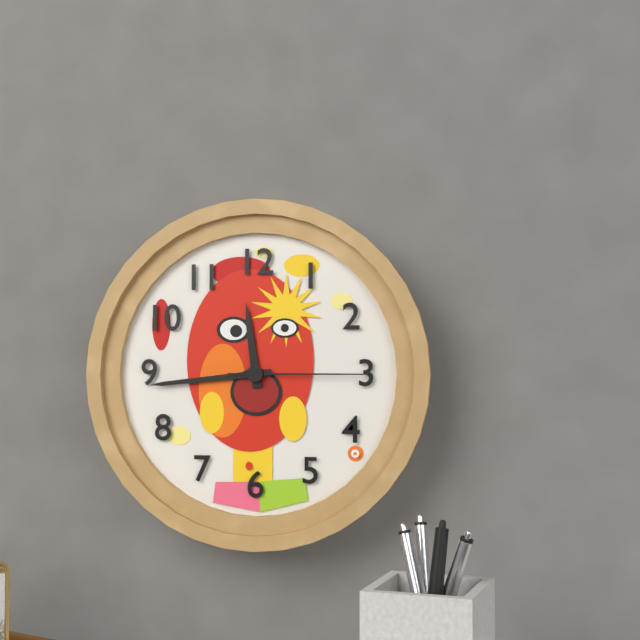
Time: **11:44:15**
